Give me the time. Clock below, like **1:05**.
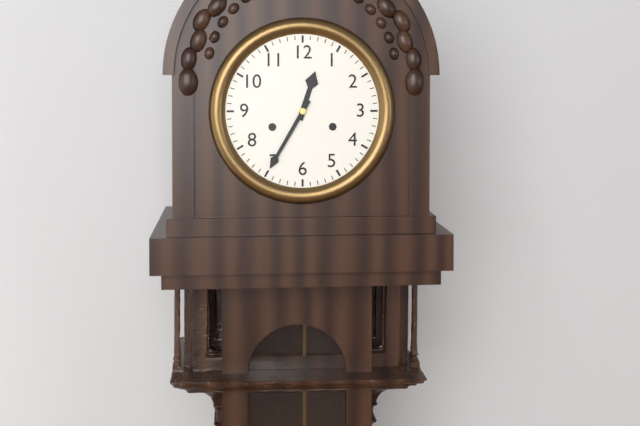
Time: **12:35**
